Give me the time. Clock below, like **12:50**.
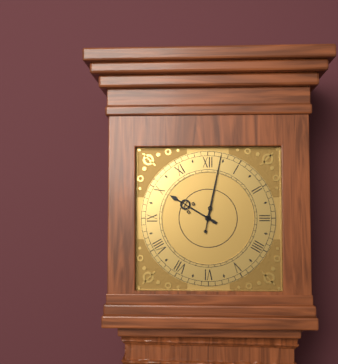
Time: **10:02**
